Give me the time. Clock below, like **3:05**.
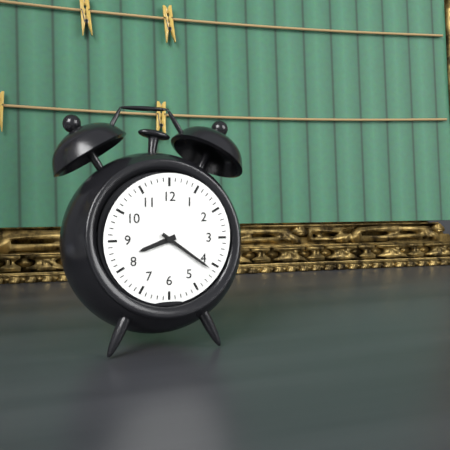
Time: **8:21**
